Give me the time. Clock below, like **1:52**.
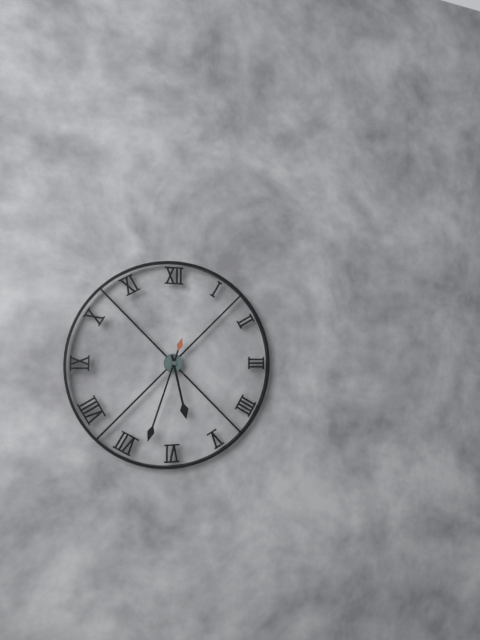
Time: **5:33**
